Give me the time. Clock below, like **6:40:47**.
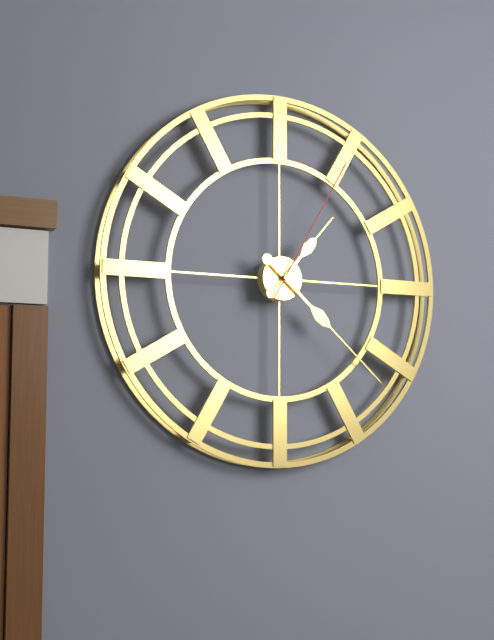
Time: **1:22:05**
